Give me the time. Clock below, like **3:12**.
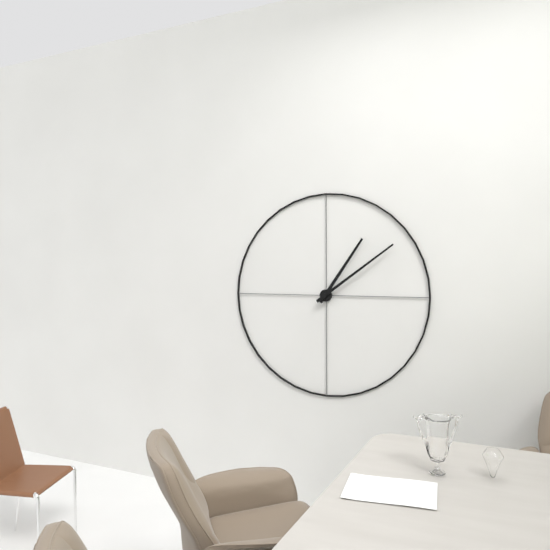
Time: **1:09**
